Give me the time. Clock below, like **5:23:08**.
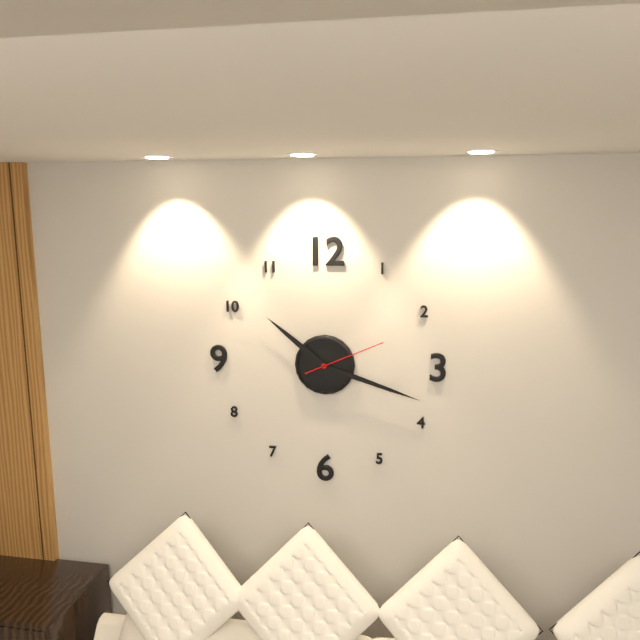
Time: **10:18:11**
